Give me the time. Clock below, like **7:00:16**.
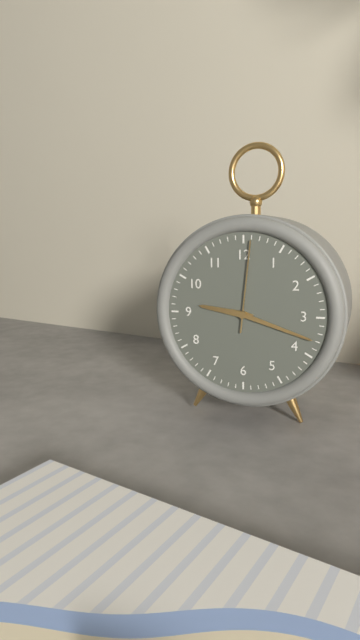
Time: **9:18:01**
